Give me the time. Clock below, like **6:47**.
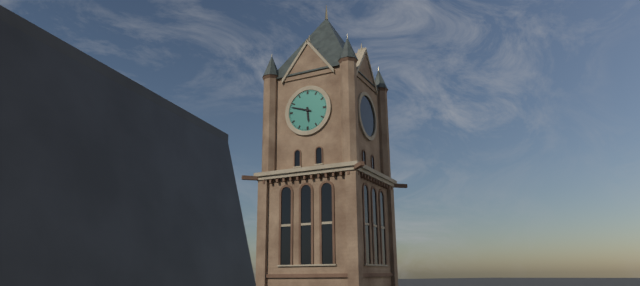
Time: **5:48**
